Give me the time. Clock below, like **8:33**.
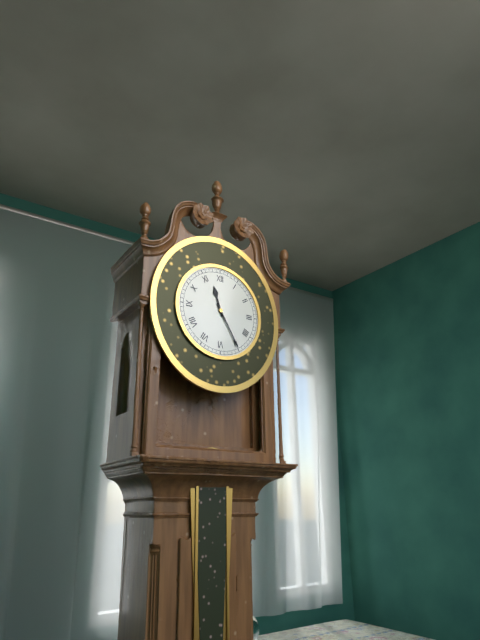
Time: **11:25**
